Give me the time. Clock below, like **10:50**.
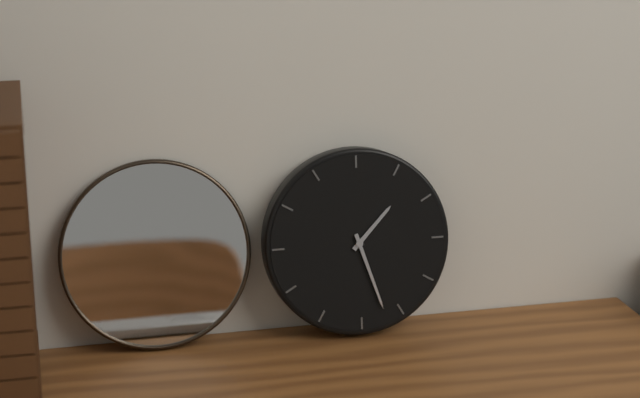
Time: **1:27**
